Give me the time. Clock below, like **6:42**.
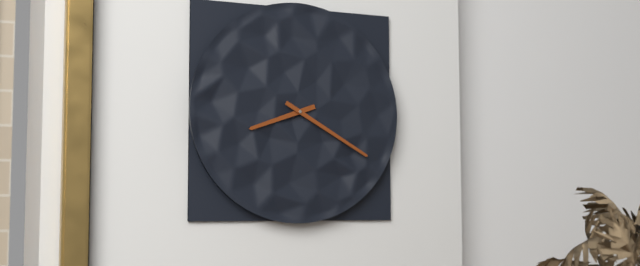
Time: **8:20**
